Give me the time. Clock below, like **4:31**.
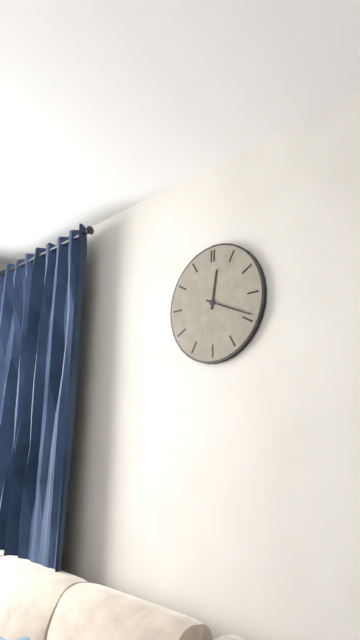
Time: **12:19**
